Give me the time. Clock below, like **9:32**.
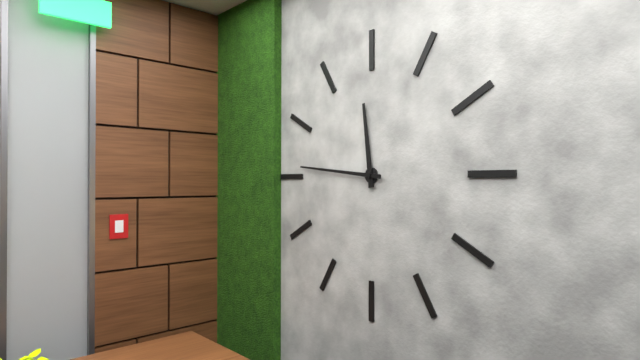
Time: **11:46**
